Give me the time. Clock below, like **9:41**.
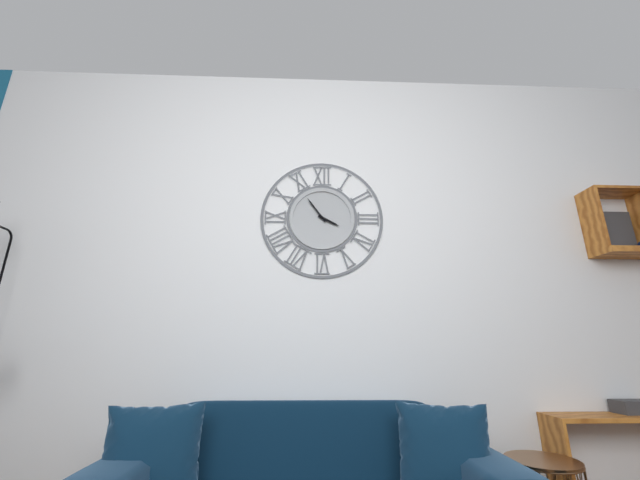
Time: **3:54**
